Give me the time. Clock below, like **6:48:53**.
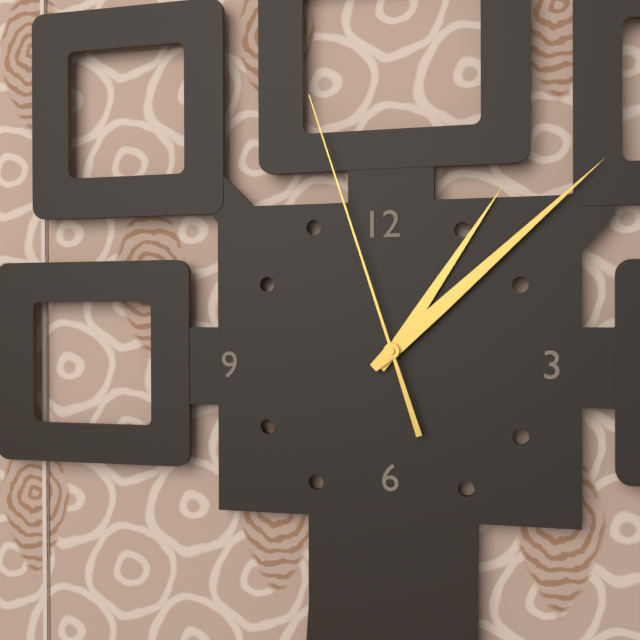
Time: **1:08:57**
